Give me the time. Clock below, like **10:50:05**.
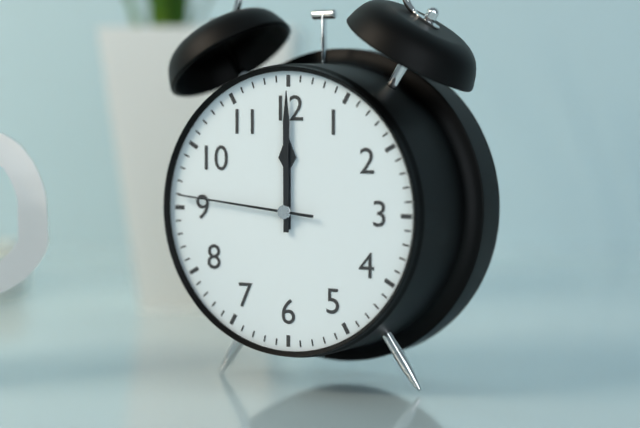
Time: **12:00:46**
